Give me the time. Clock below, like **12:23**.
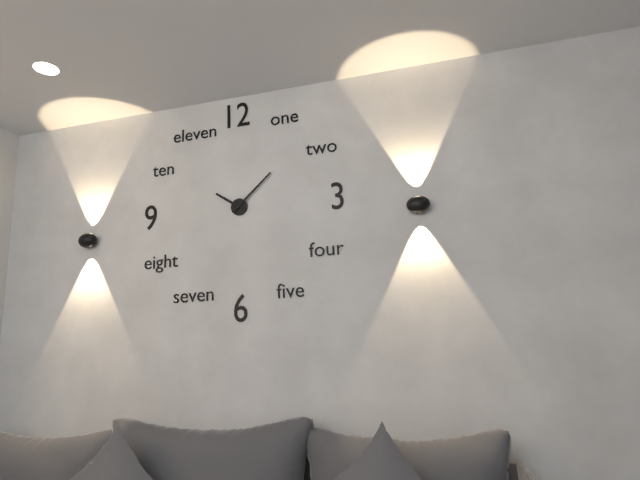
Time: **10:08**
